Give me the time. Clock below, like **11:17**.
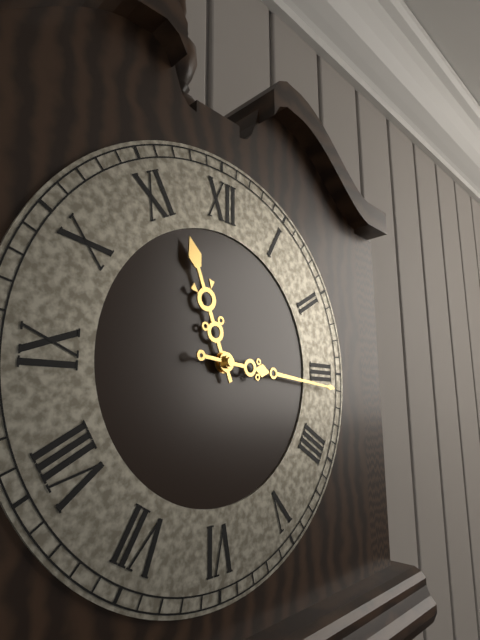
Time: **11:16**
